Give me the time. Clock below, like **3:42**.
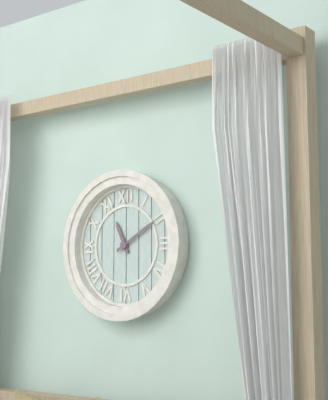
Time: **11:10**
